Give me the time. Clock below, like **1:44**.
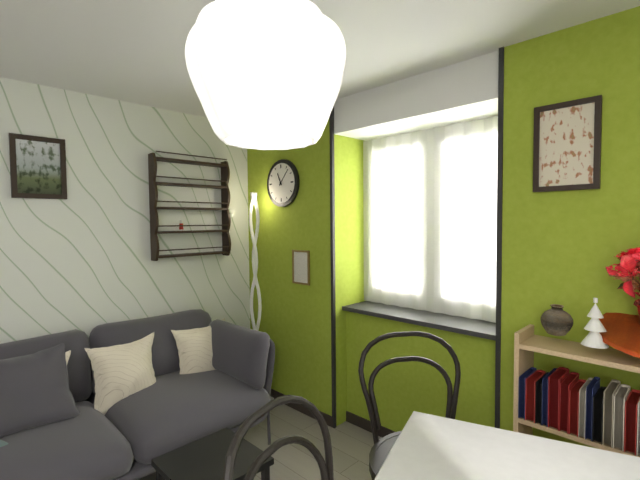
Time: **11:07**
